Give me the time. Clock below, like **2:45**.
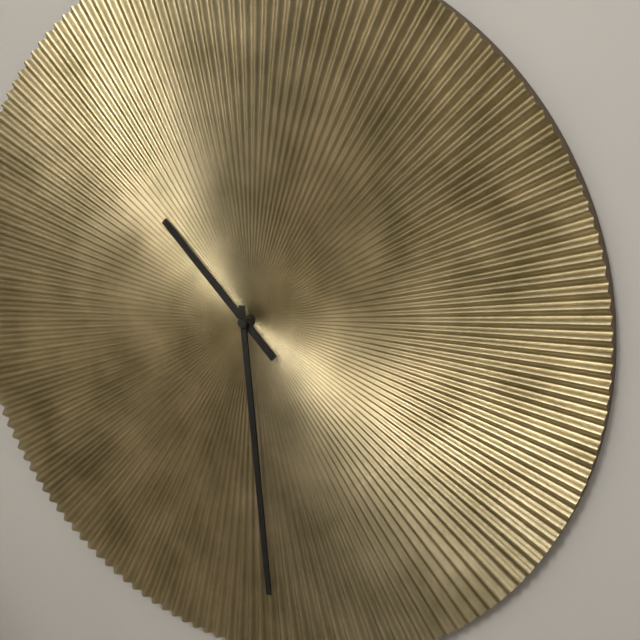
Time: **10:29**
